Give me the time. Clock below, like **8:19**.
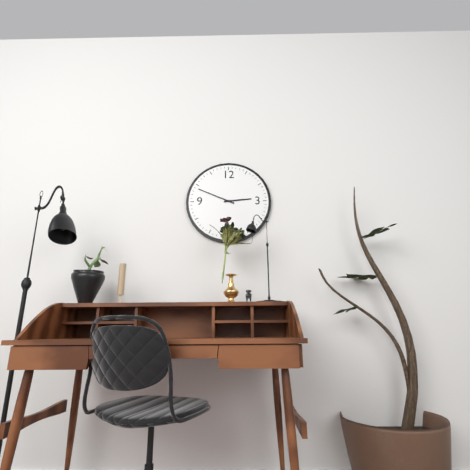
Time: **2:49**
